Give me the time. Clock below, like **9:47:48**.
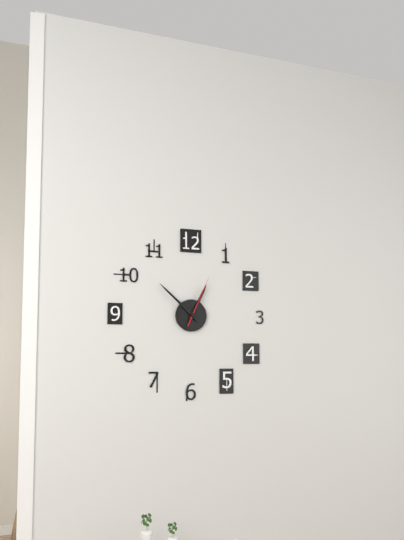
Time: **12:52:04**
